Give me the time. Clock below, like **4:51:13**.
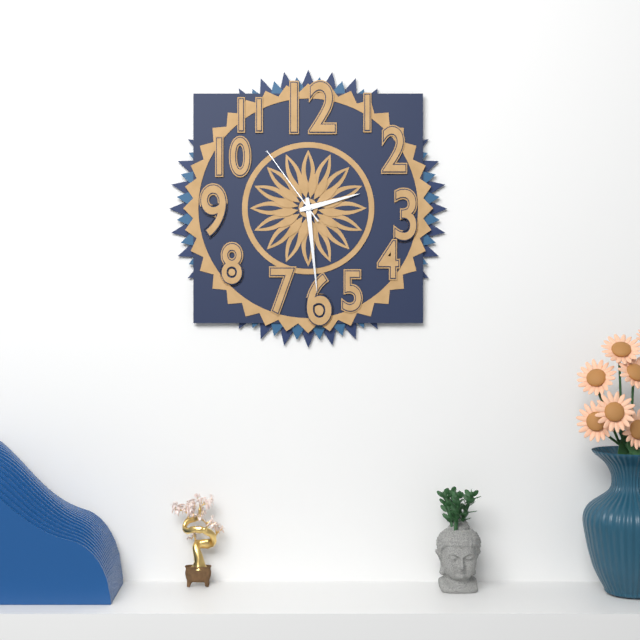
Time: **2:29:54**
